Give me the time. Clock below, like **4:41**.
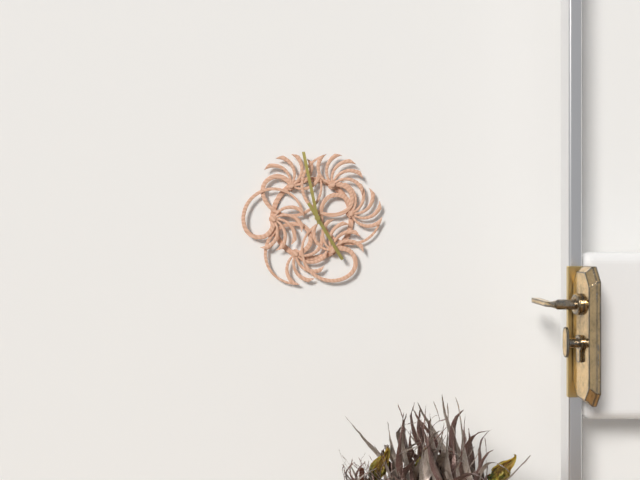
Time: **4:58**
